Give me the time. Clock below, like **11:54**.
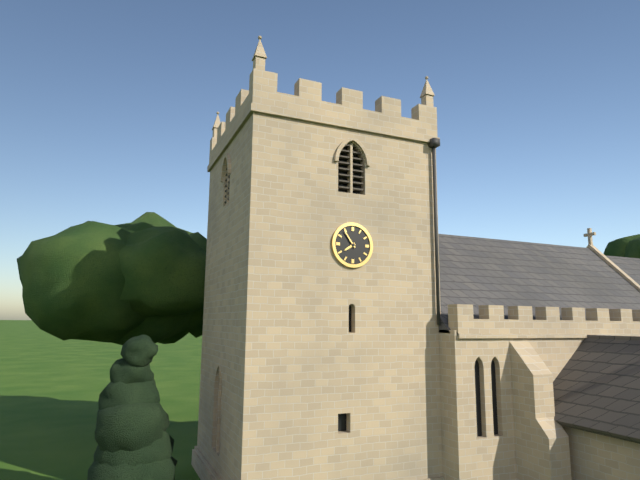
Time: **7:54**
